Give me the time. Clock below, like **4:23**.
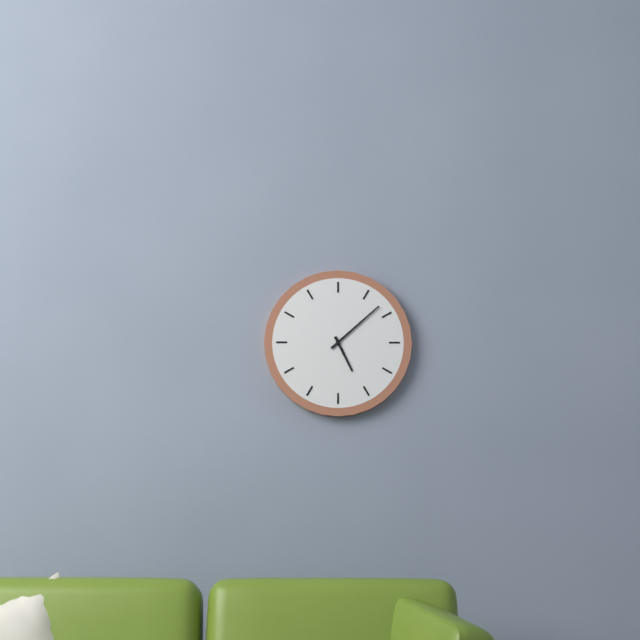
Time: **5:08**
